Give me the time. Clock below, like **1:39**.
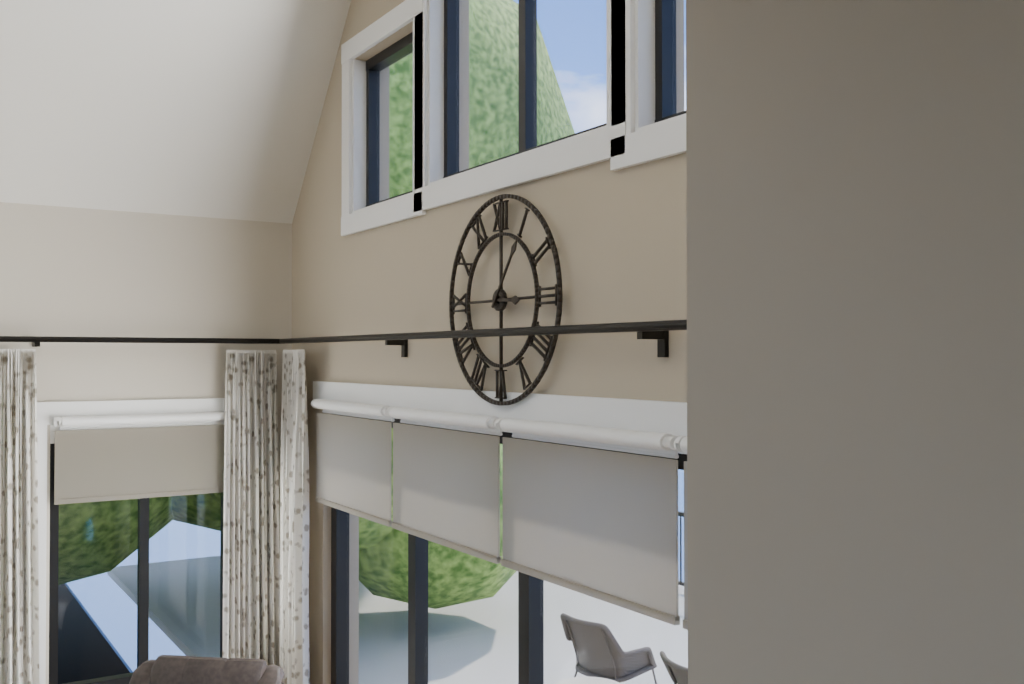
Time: **3:06**
